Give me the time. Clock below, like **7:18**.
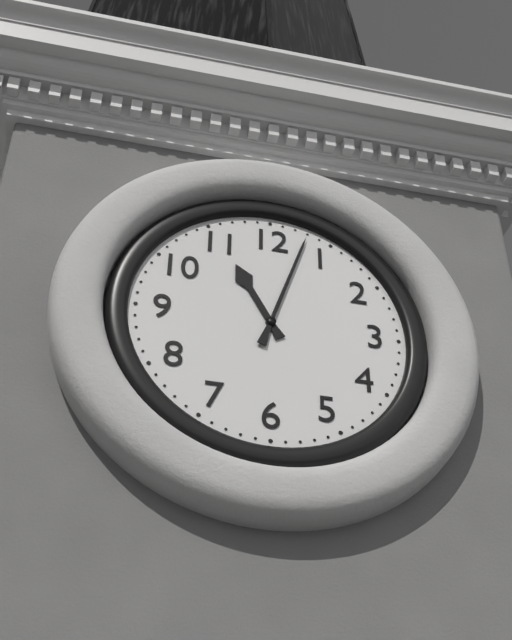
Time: **11:03**
